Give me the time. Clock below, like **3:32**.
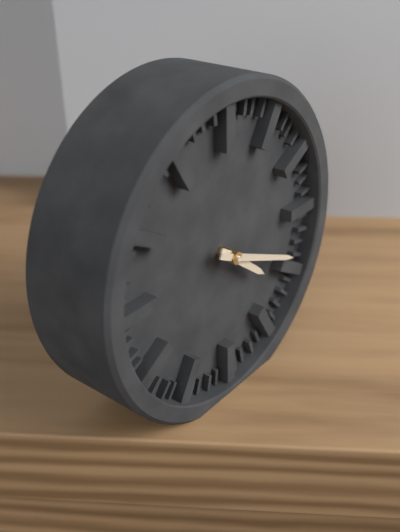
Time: **4:19**
